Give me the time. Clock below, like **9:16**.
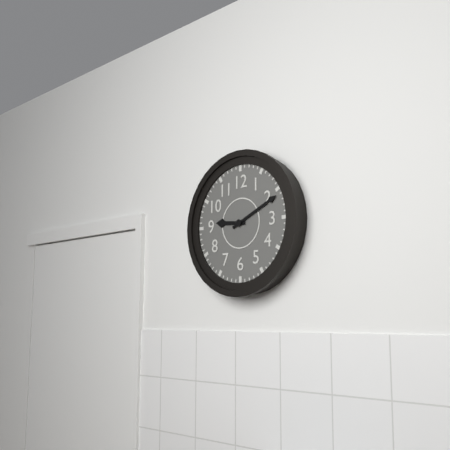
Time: **9:11**
